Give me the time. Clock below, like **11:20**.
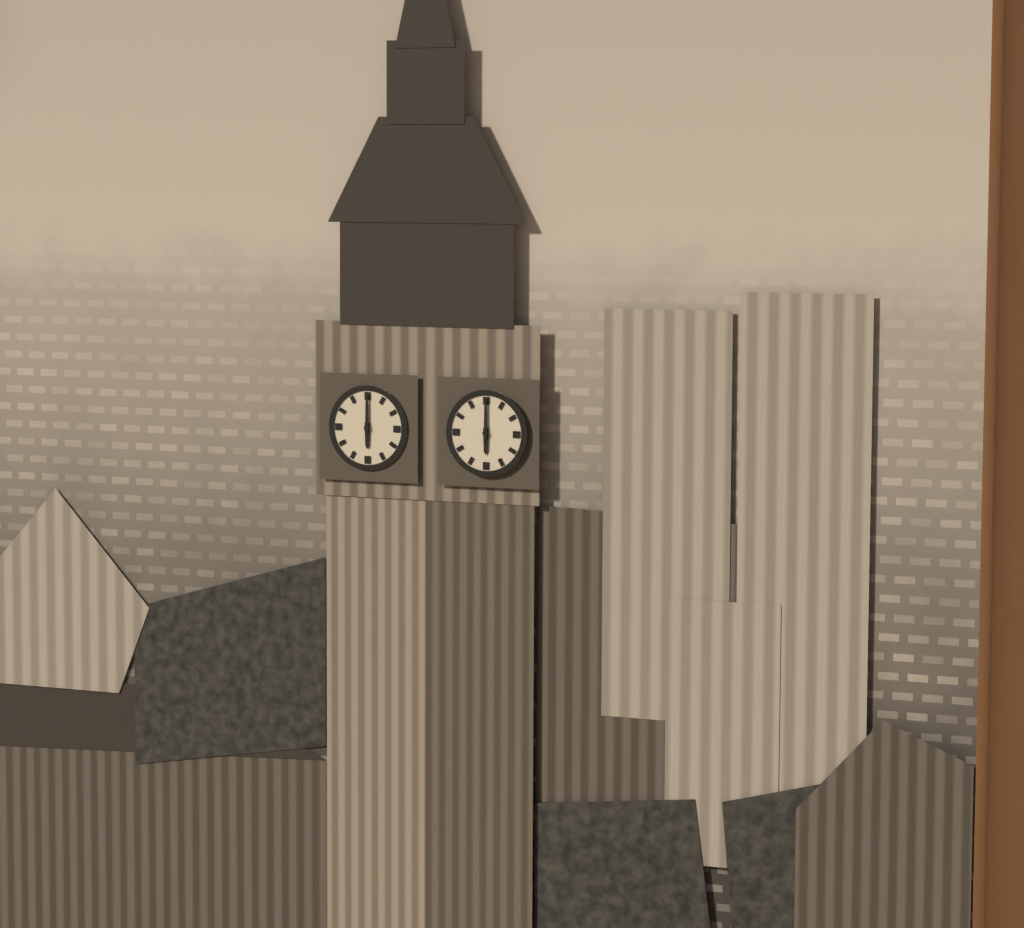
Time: **6:00**
